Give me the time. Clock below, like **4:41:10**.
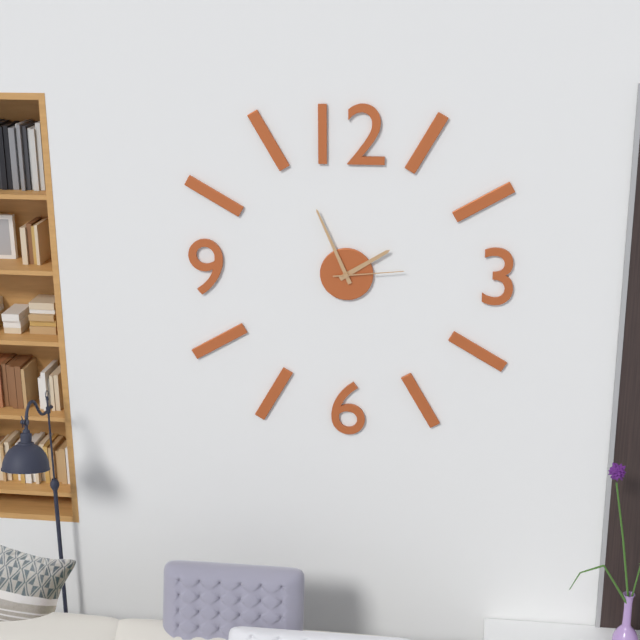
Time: **1:56:14**
